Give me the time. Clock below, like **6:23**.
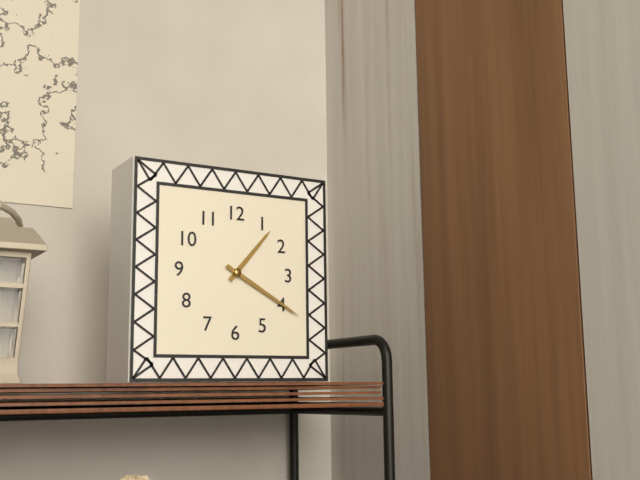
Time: **1:20**
